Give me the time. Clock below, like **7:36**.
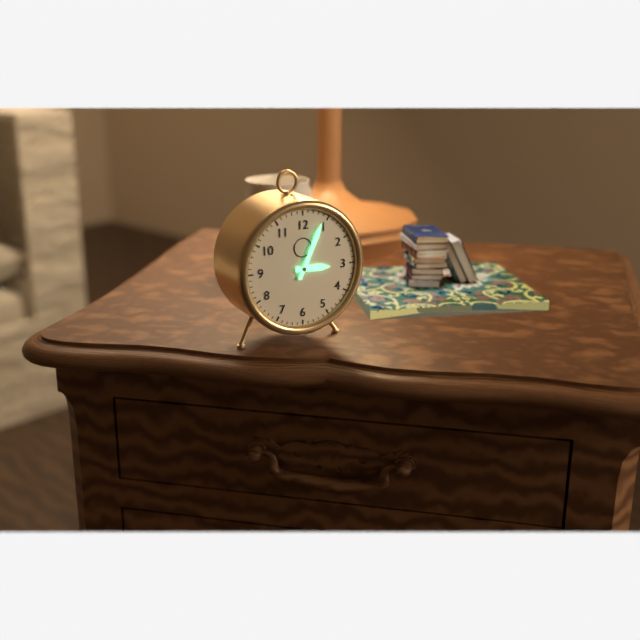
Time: **3:04**
